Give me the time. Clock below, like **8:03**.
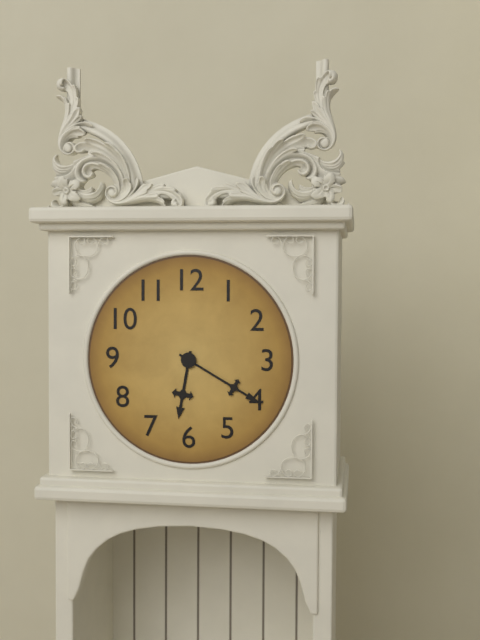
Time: **6:20**
